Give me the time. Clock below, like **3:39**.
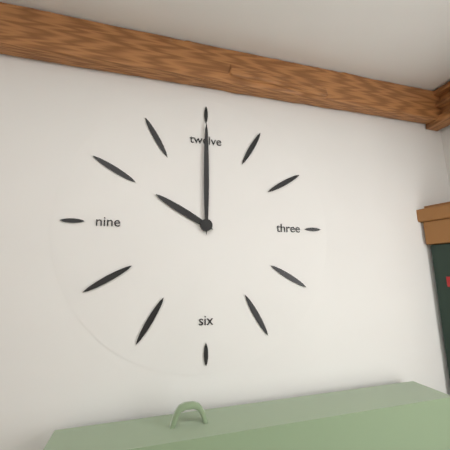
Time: **10:00**
